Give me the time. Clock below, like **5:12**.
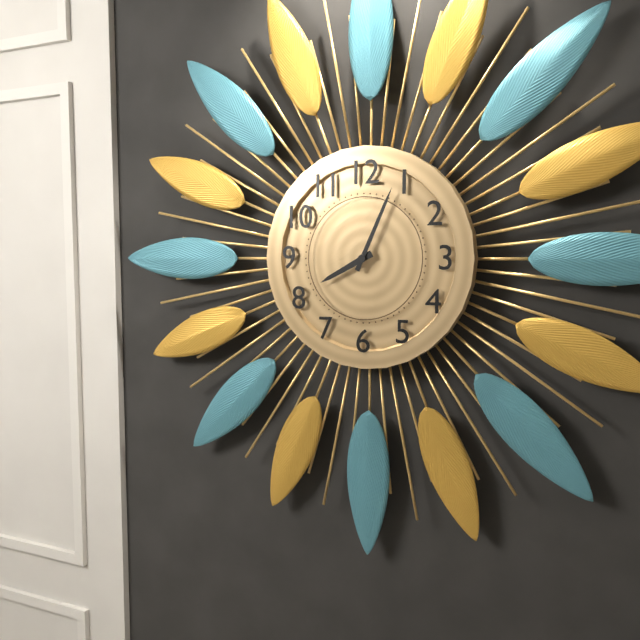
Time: **8:04**
